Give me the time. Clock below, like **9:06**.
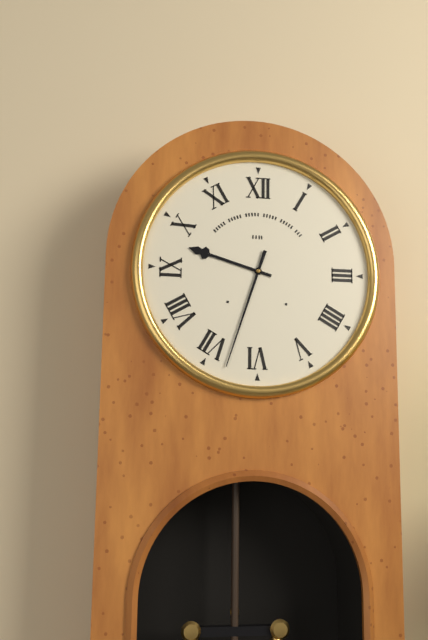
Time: **9:33**
